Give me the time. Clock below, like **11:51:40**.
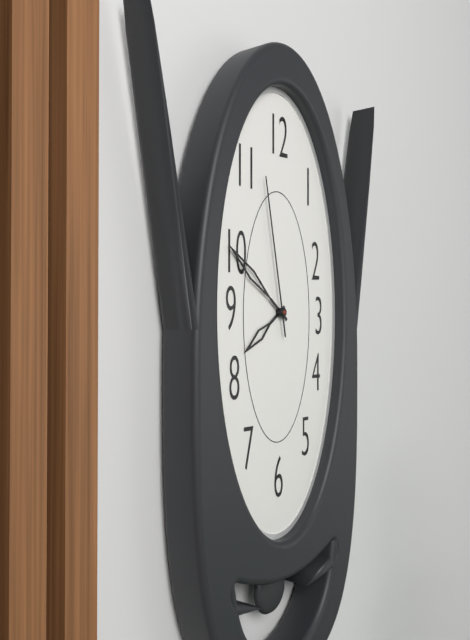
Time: **7:51:58**
